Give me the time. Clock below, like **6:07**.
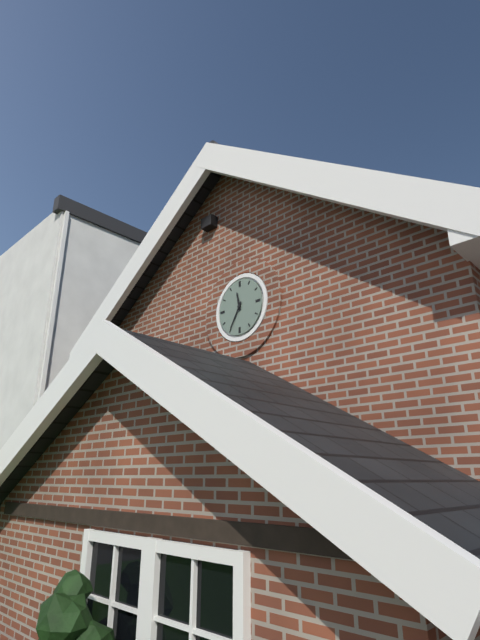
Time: **11:35**
